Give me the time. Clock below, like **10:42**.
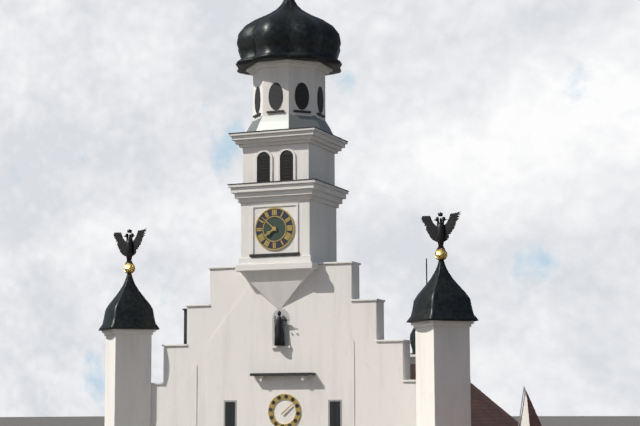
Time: **7:52**
